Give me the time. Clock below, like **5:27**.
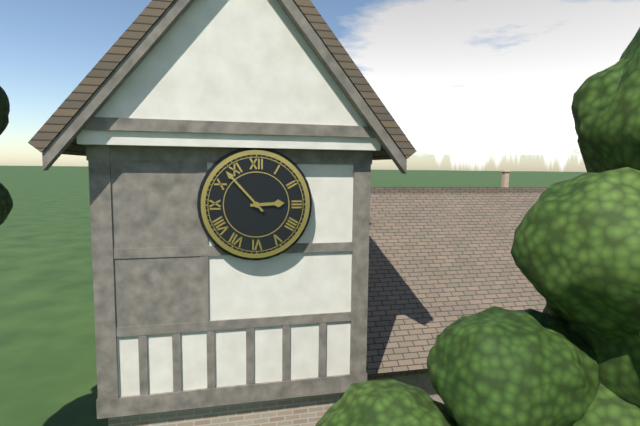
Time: **2:53**
